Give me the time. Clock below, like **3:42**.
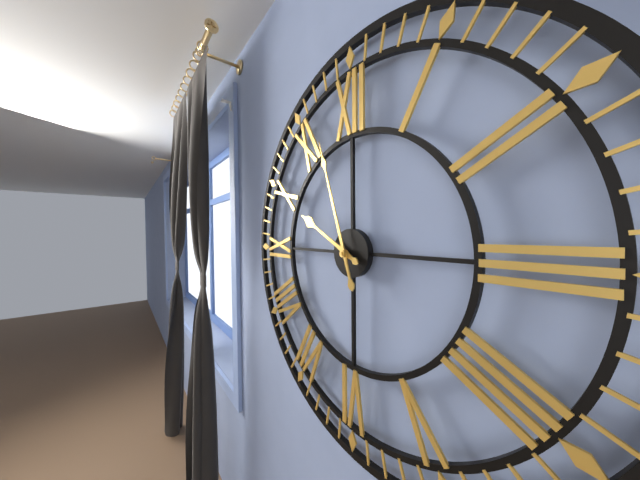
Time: **9:57**
